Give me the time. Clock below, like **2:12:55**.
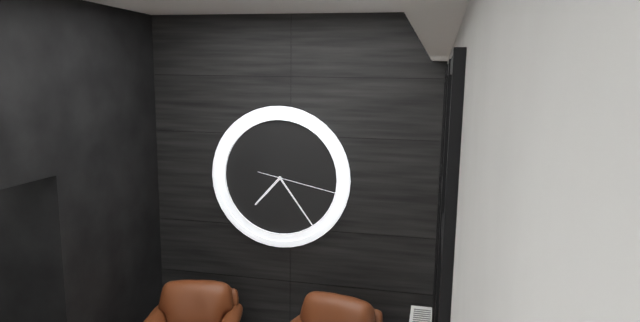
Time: **7:24:17**
